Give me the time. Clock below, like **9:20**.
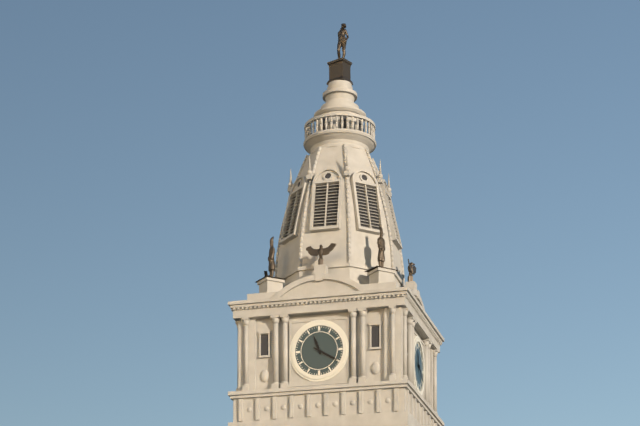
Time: **11:20**
